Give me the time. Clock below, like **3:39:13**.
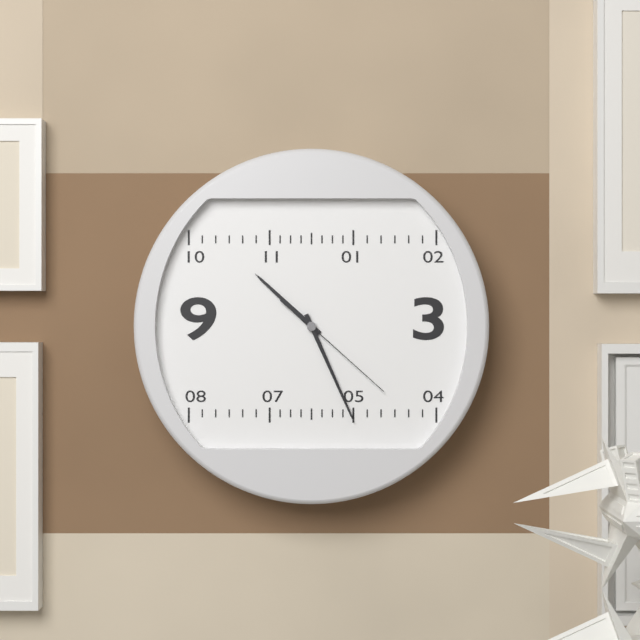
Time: **10:26:22**
